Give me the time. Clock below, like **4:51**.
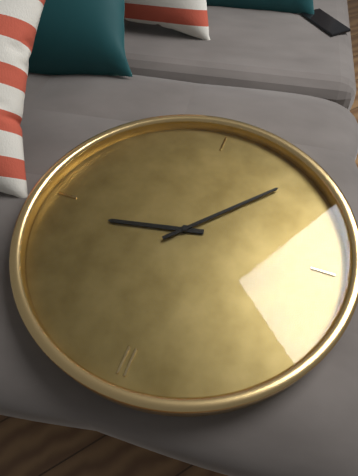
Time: **2:37**
